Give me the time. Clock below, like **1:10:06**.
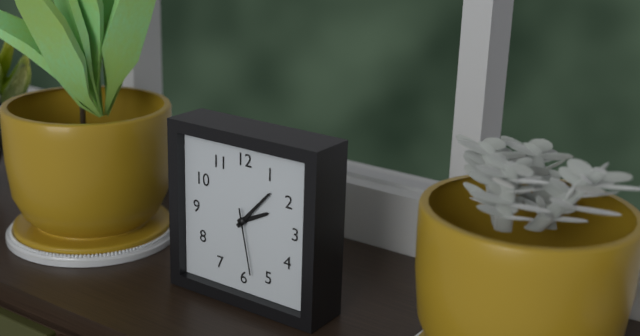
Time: **2:07:28**
